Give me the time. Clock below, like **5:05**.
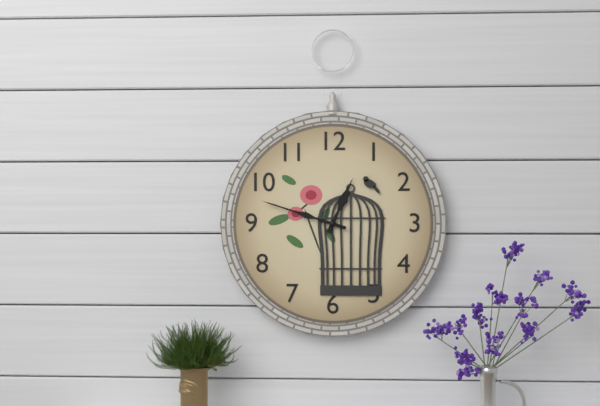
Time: **12:48**
